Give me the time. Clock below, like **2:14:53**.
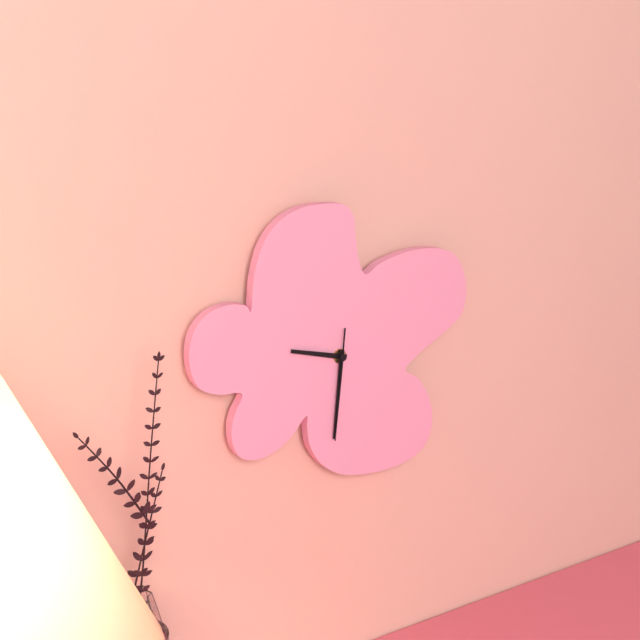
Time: **9:31:31**
